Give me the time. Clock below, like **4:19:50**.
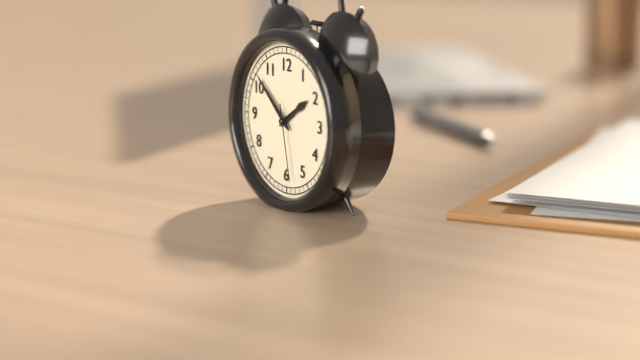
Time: **1:52:28**
